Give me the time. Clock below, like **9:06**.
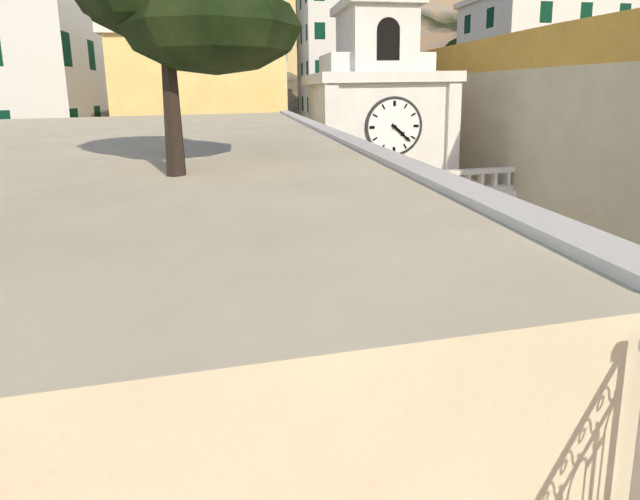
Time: **4:22**
